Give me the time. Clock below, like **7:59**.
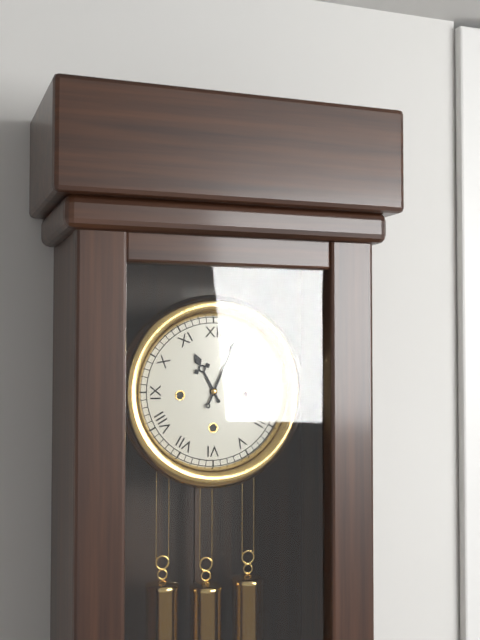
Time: **11:04**
